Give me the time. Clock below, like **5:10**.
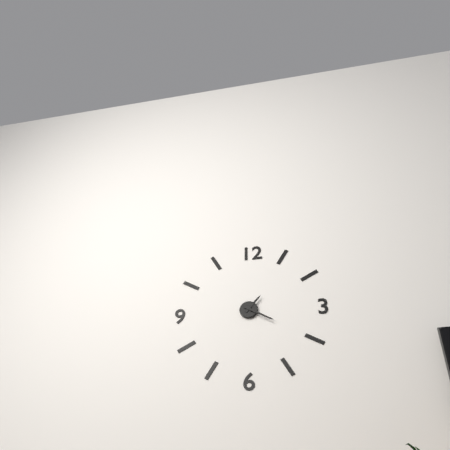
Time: **1:20**
